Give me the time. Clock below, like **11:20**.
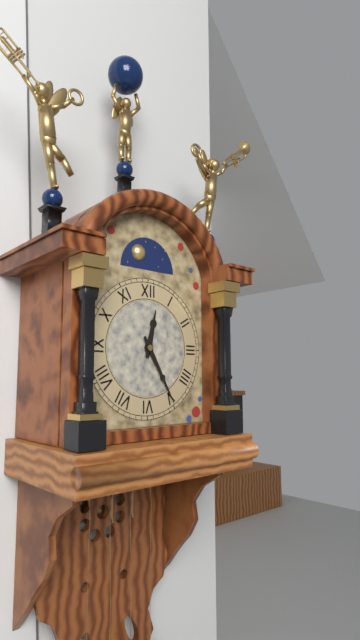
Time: **12:25**
